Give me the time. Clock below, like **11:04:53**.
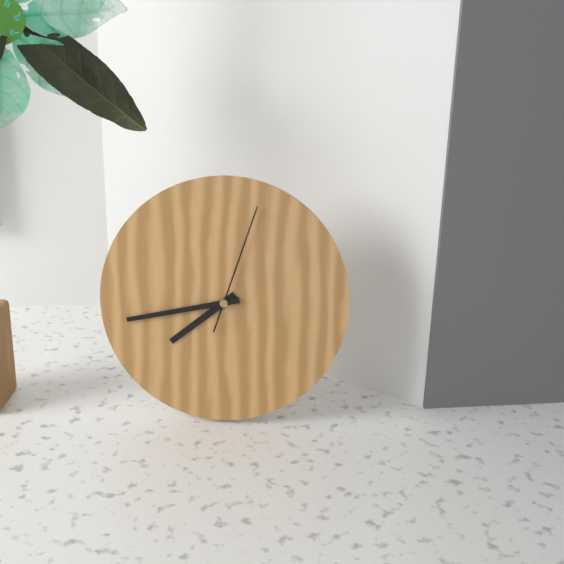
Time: **7:43:03**
